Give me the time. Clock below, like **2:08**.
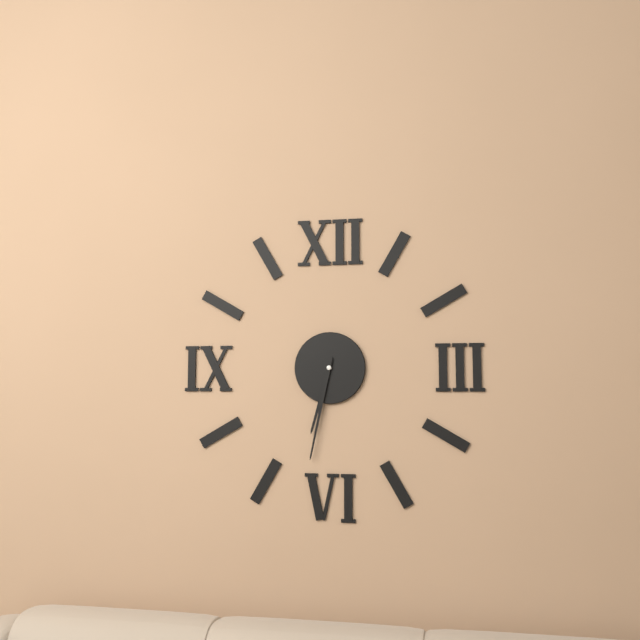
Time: **6:32**
